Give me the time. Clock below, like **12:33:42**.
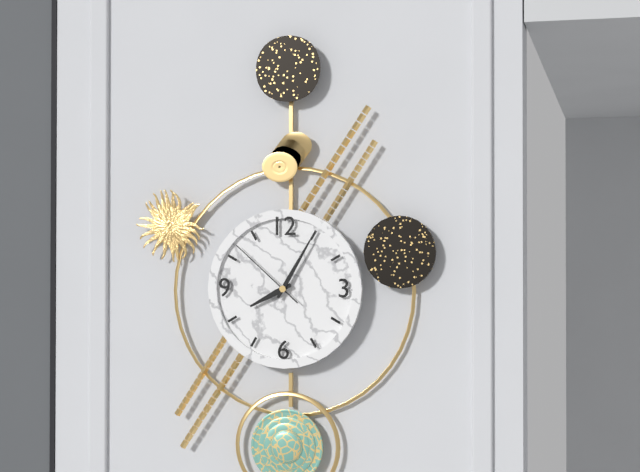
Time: **8:05:52**
